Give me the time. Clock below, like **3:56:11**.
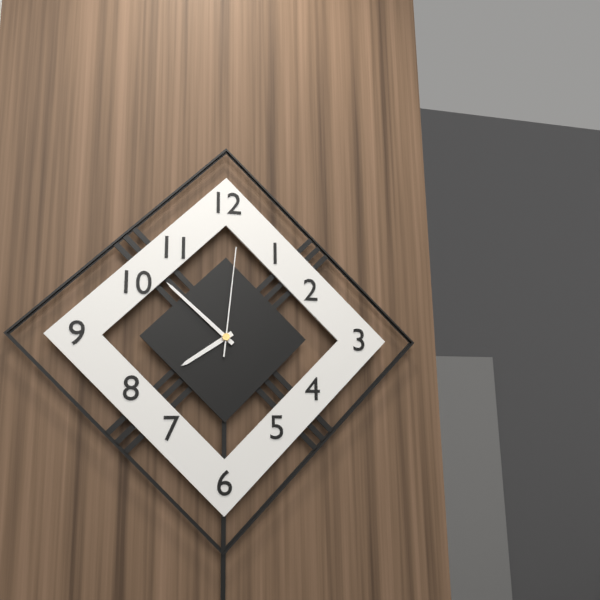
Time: **7:52:01**
